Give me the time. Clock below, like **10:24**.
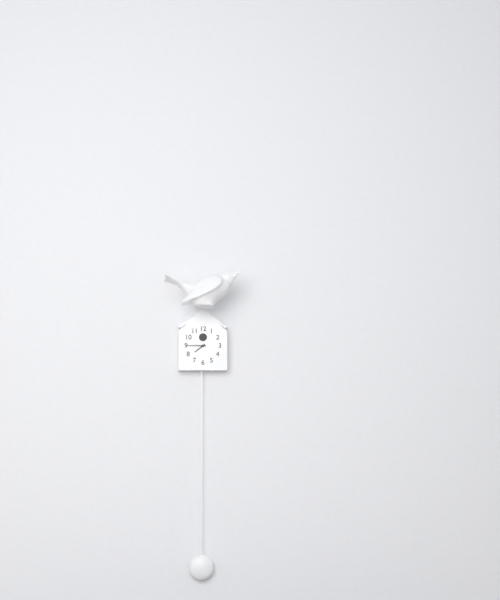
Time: **7:45**
